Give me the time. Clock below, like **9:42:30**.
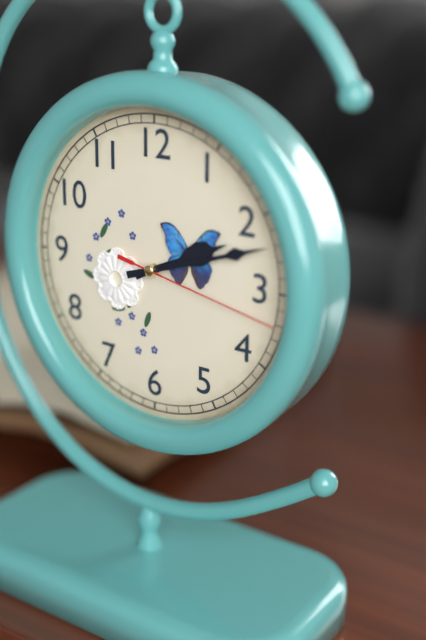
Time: **2:12:17**
